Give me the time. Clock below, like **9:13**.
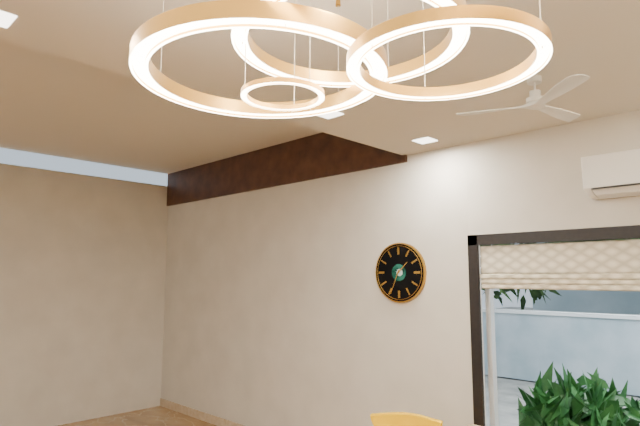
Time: **1:34**
